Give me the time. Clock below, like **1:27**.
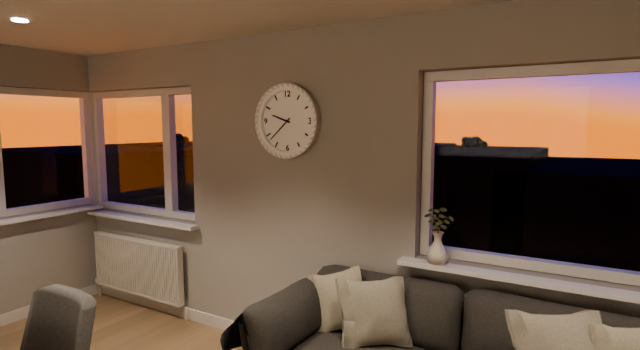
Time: **9:38**
